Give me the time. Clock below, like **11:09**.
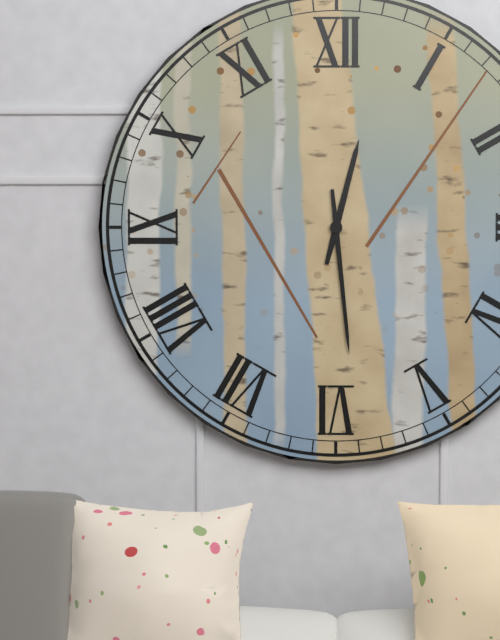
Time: **12:29**
